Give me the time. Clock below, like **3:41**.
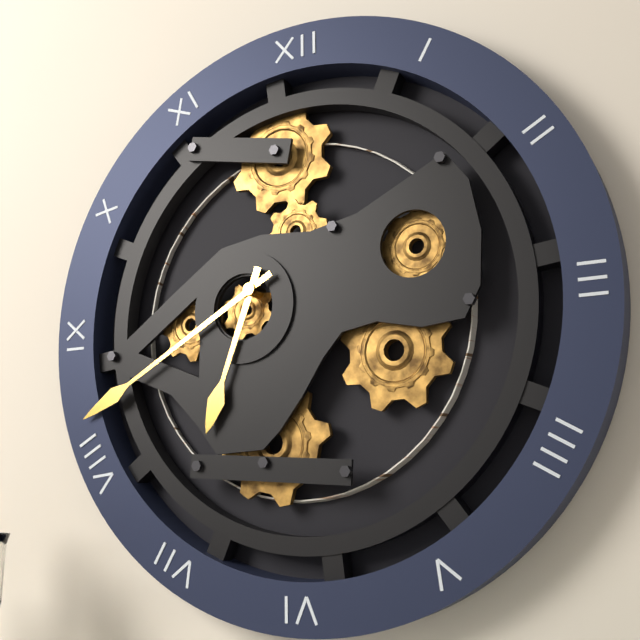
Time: **6:40**
